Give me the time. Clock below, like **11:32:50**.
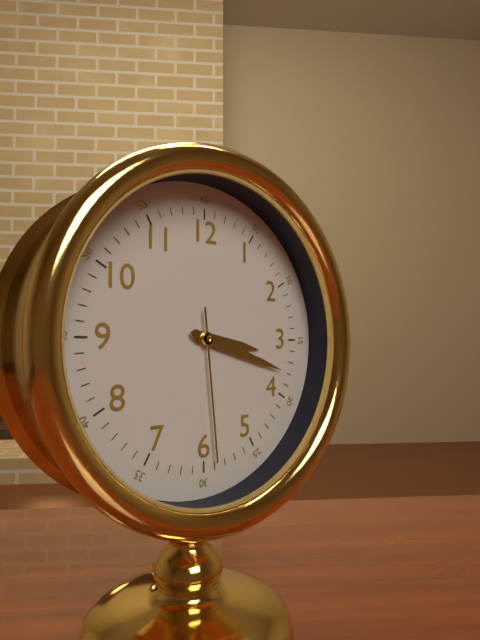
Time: **3:18:29**
